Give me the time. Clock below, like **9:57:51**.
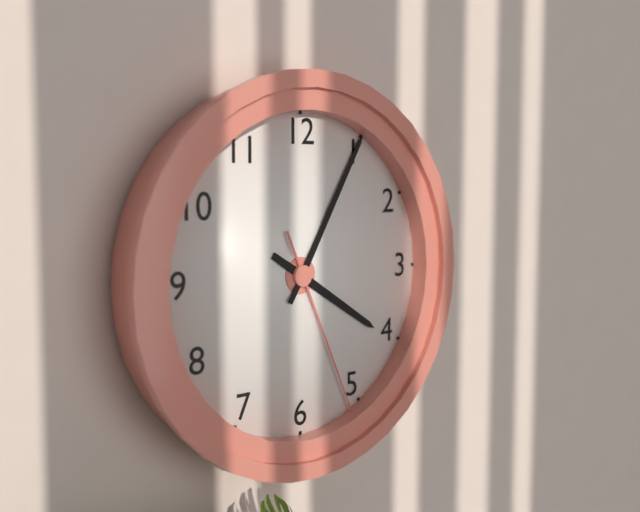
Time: **4:05:26**
